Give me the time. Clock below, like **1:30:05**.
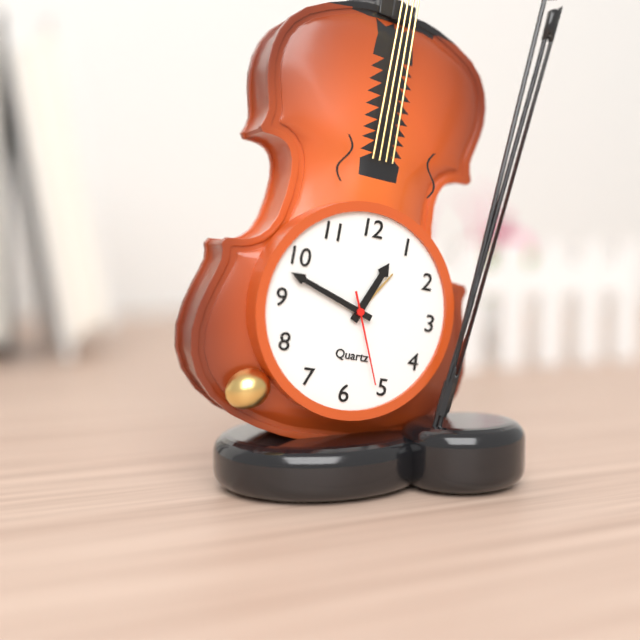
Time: **12:48:26**
